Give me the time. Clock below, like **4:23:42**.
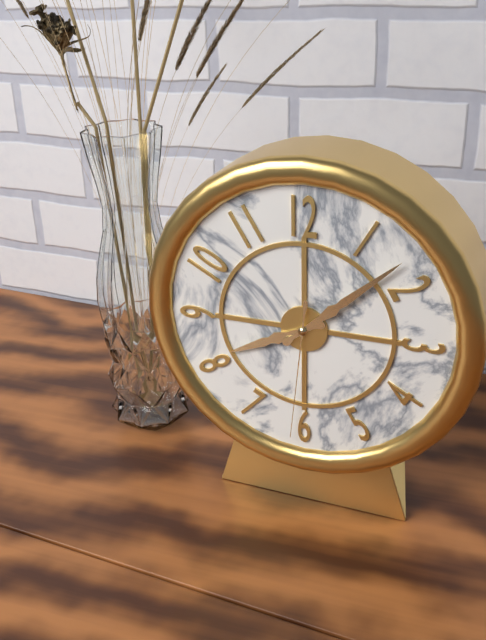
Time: **8:08:31**
